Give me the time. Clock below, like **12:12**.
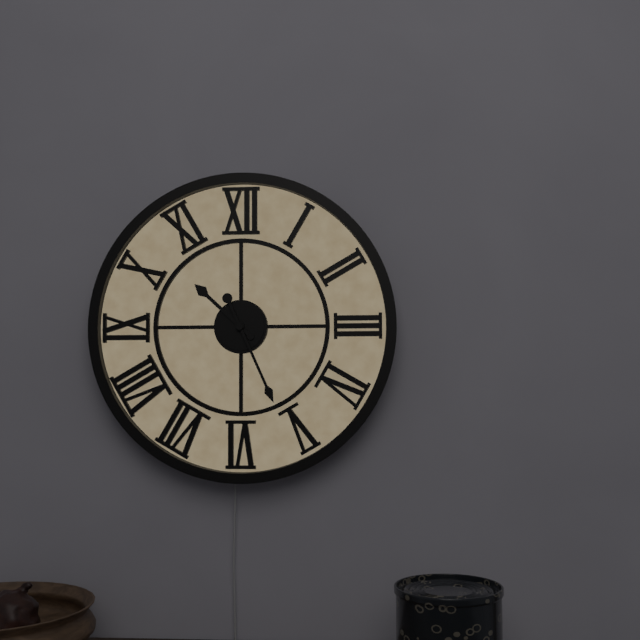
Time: **10:26**
